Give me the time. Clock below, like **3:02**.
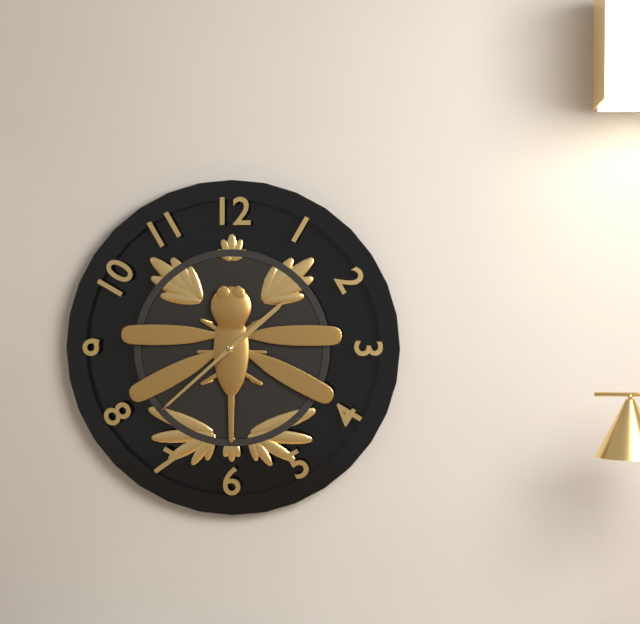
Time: **1:38**
